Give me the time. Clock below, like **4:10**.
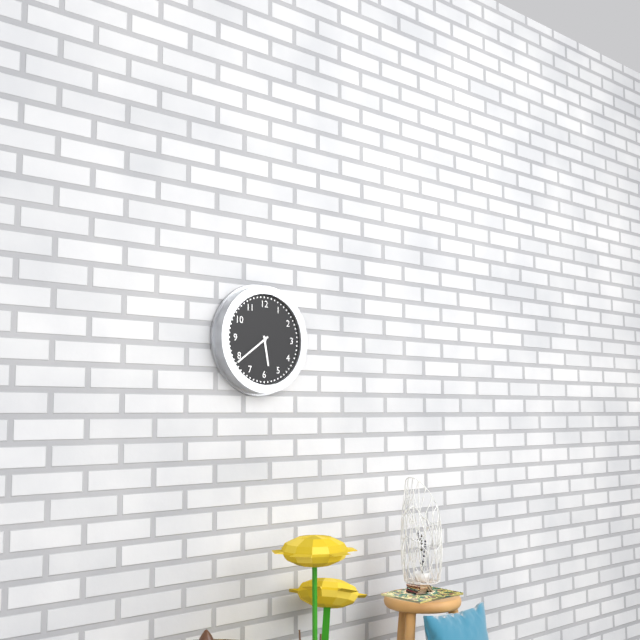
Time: **5:39**
